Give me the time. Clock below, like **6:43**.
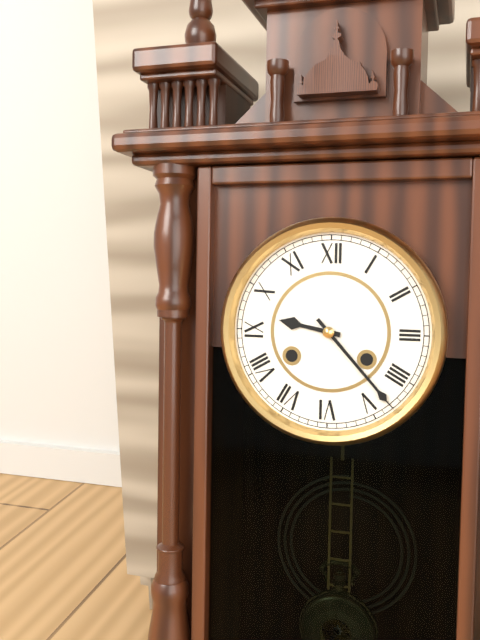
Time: **9:23**
